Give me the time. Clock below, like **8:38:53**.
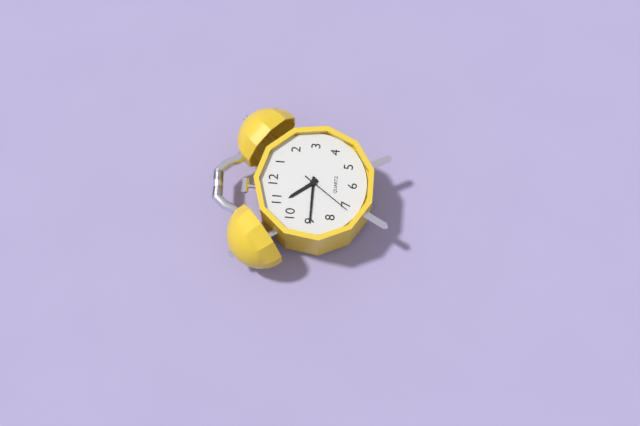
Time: **10:45:36**
